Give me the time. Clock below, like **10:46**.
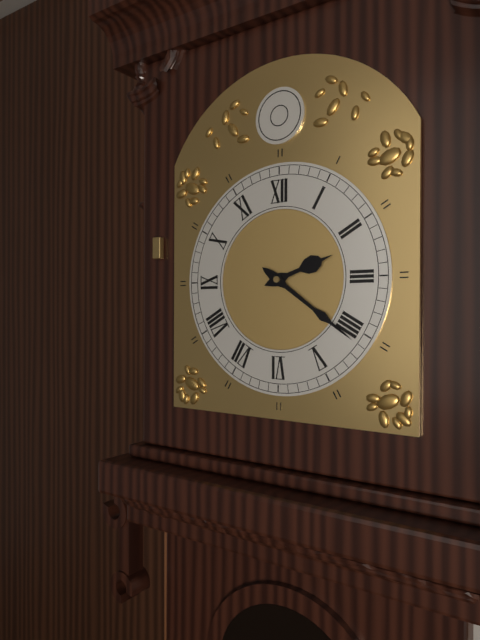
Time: **2:21**
